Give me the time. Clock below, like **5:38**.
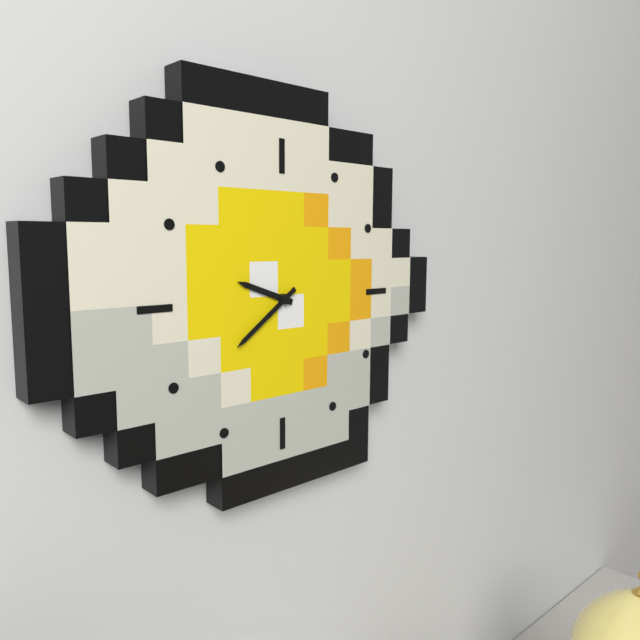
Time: **9:39**
